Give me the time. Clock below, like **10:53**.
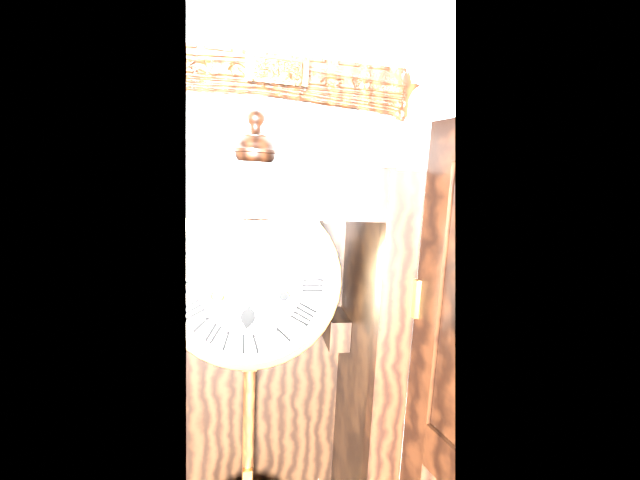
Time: **6:10**
